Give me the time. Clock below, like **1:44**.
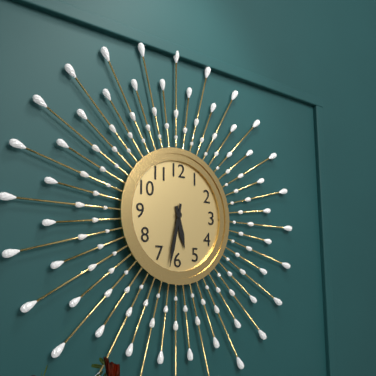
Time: **5:32**
